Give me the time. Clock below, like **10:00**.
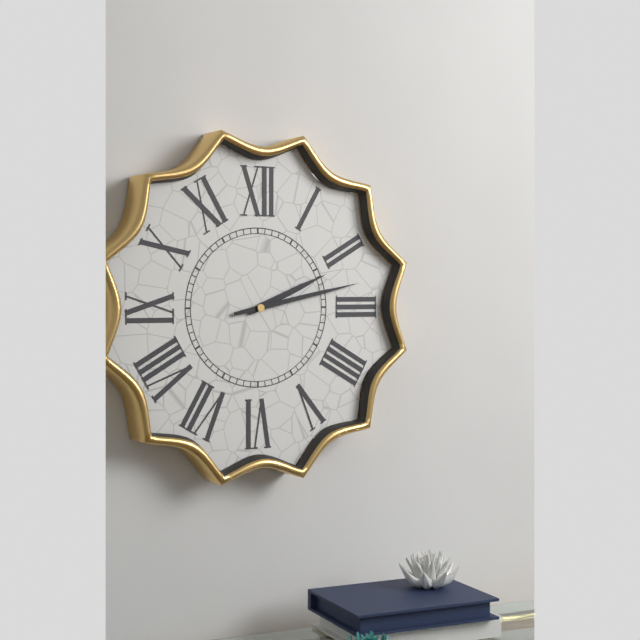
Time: **2:13**
